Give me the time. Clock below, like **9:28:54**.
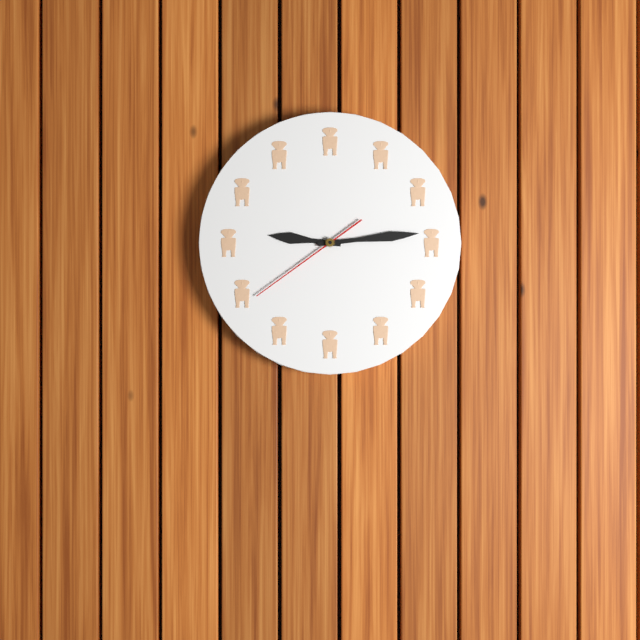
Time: **9:14:39**
